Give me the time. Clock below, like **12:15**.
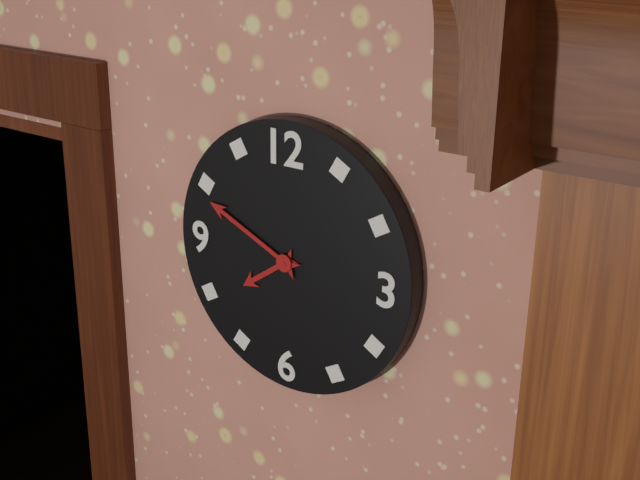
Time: **7:49**
